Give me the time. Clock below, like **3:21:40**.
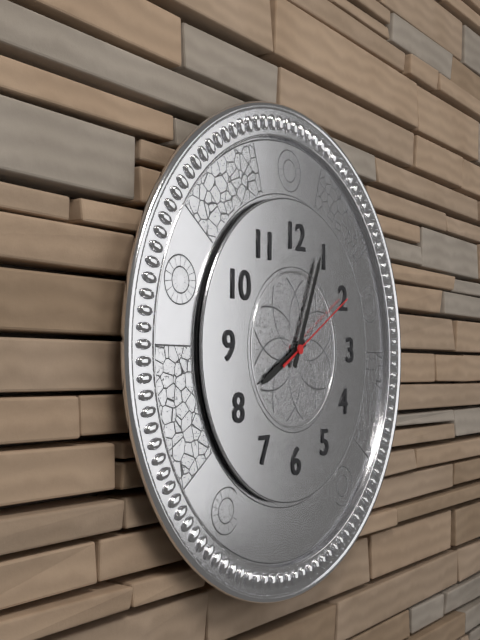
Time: **8:04:10**
